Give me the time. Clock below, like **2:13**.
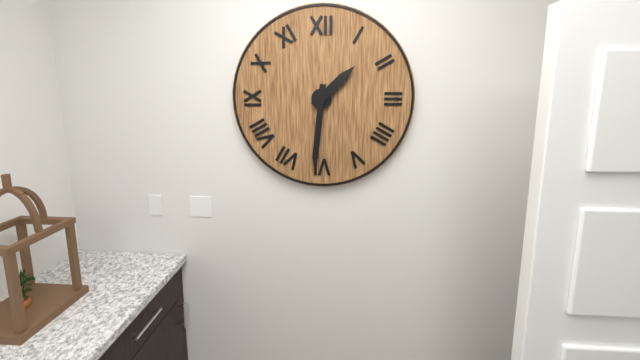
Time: **1:31**
